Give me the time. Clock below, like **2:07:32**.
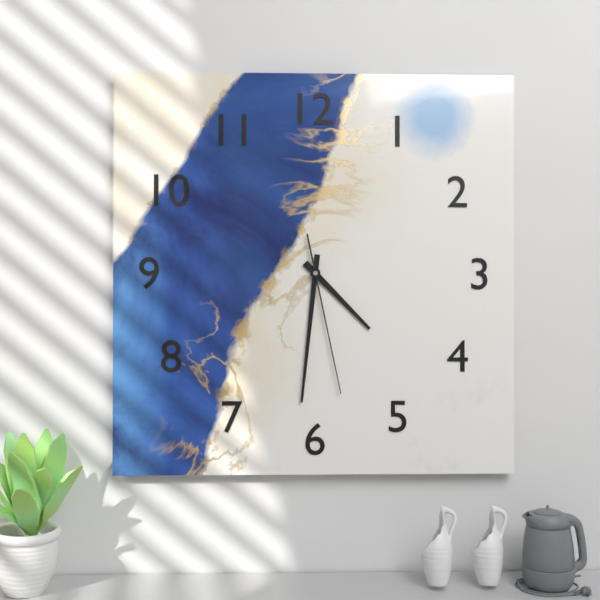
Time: **4:31:28**
